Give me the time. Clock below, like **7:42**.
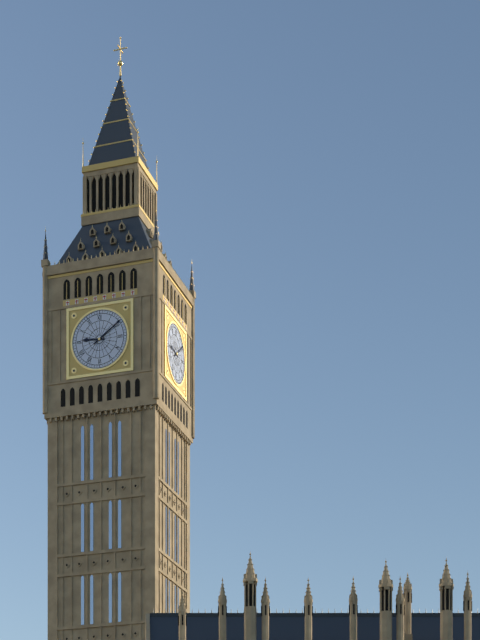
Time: **9:09**
